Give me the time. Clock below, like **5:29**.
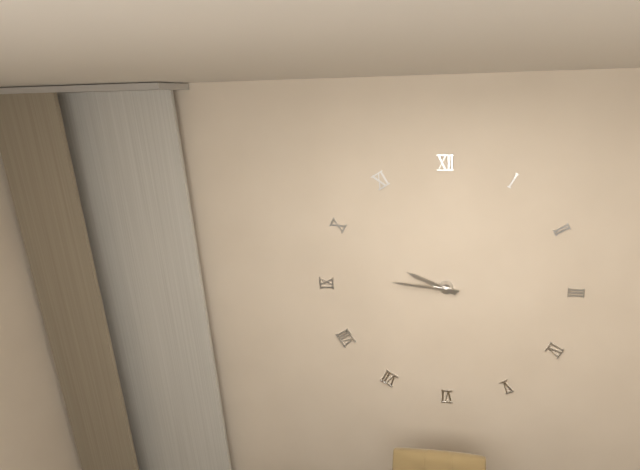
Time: **9:46**
